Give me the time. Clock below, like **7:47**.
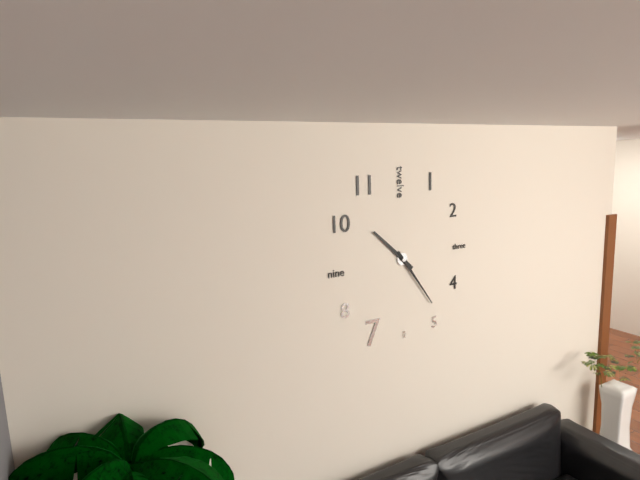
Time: **10:24**
